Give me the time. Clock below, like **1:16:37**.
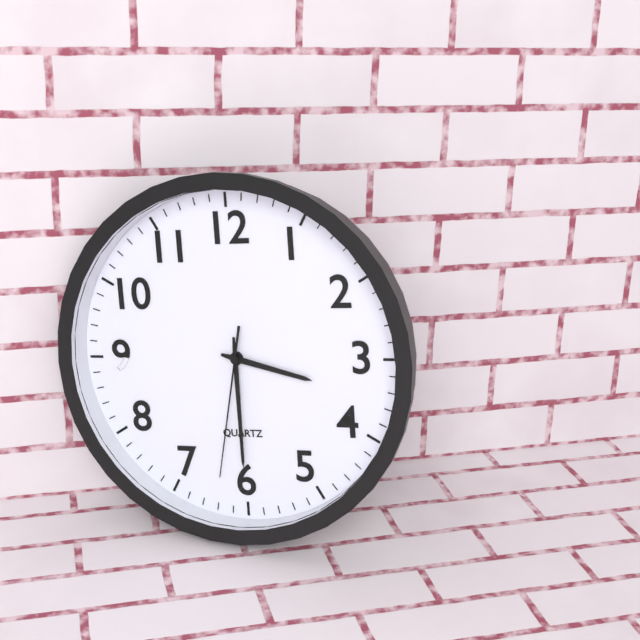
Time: **3:30:32**
